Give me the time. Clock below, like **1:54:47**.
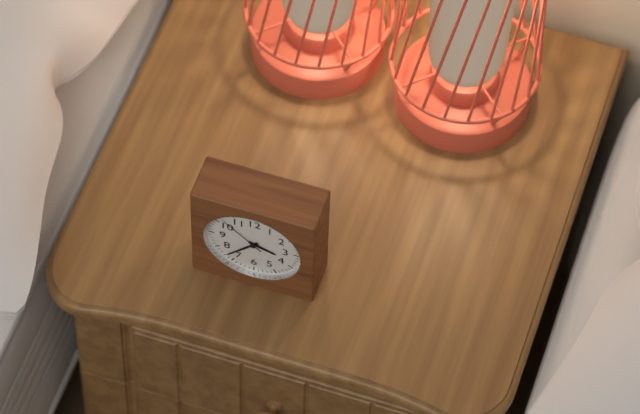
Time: **3:37:52**
